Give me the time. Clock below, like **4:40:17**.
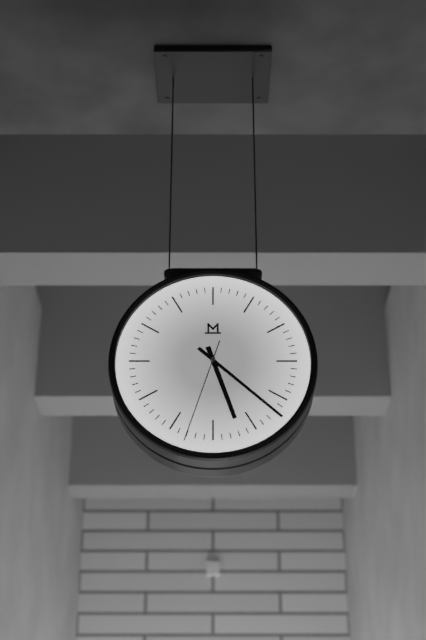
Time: **5:22:33**
